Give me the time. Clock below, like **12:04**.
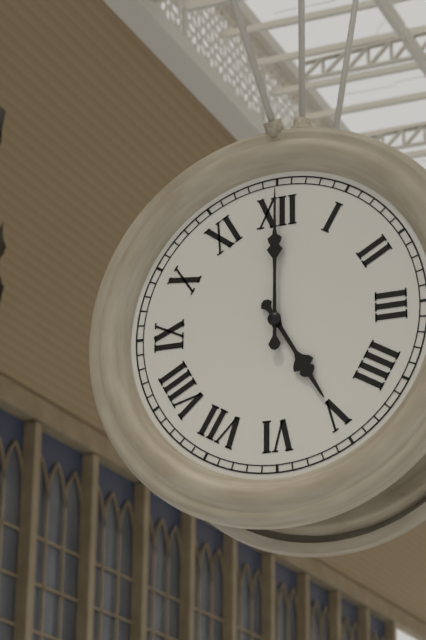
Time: **5:00**
